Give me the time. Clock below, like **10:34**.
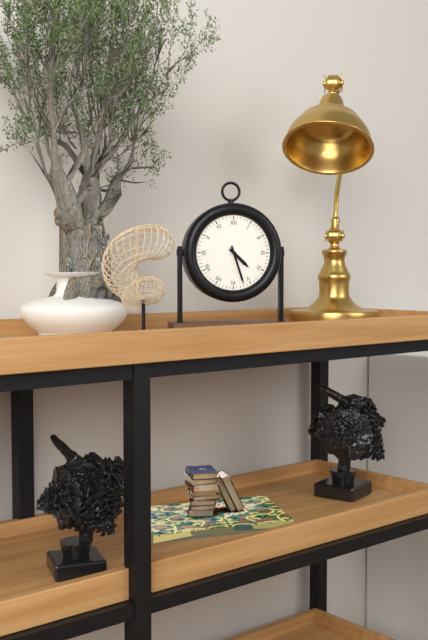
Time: **4:27**
